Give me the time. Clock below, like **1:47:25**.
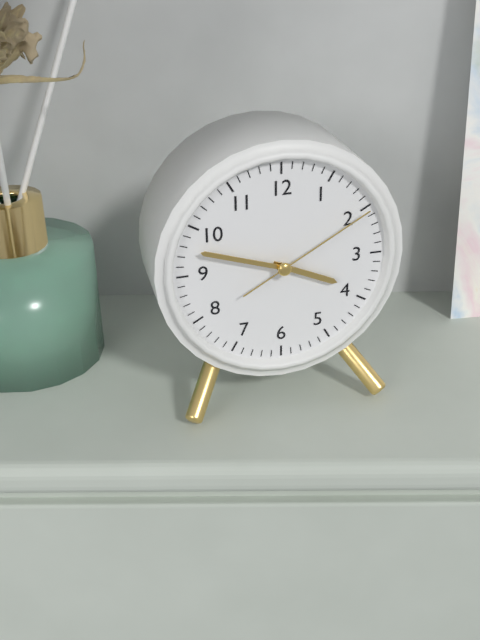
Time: **3:48:10**
